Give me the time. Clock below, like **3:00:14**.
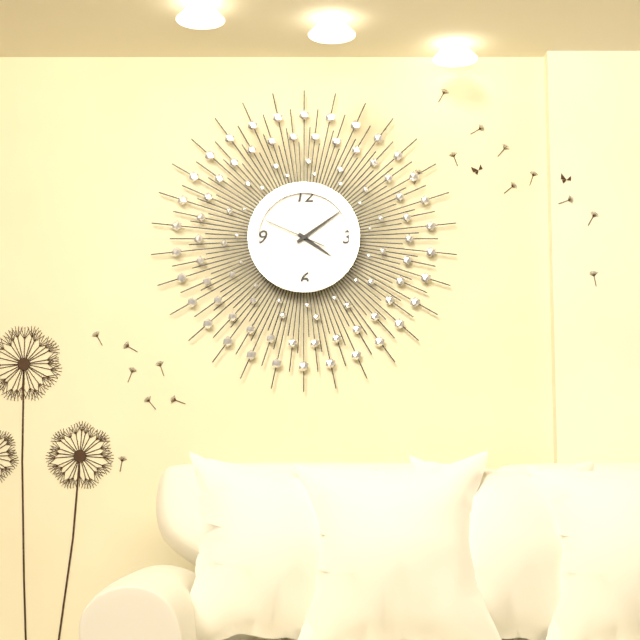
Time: **4:09:49**
